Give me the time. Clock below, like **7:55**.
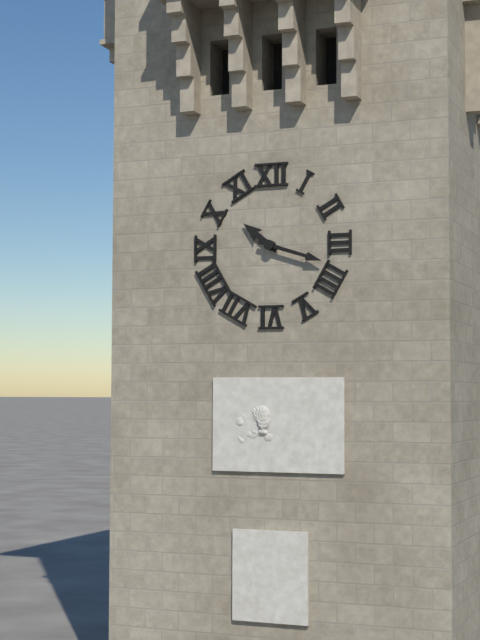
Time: **10:18**
